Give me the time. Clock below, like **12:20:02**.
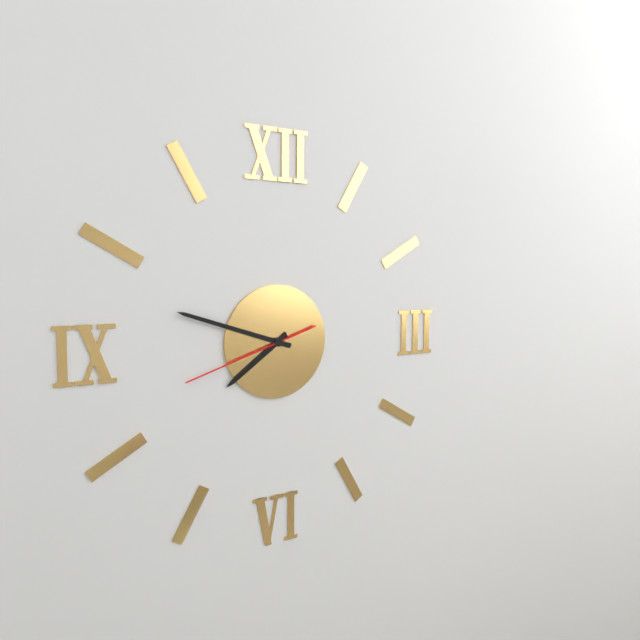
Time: **7:48:42**
